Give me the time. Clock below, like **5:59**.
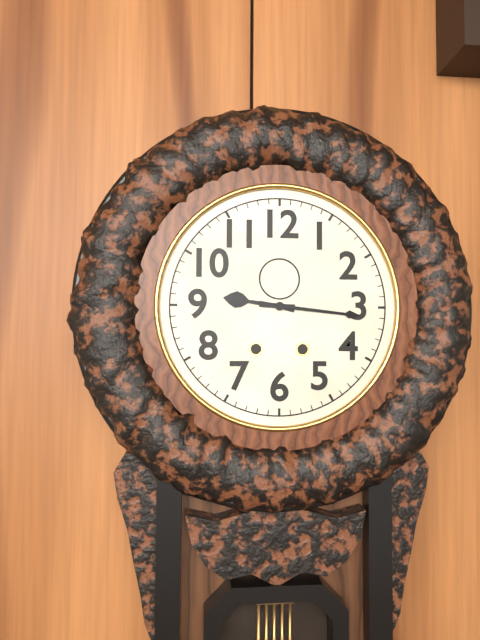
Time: **9:16**
